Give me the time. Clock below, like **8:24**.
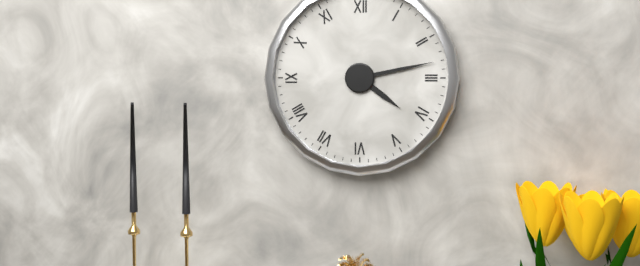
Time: **4:13**
